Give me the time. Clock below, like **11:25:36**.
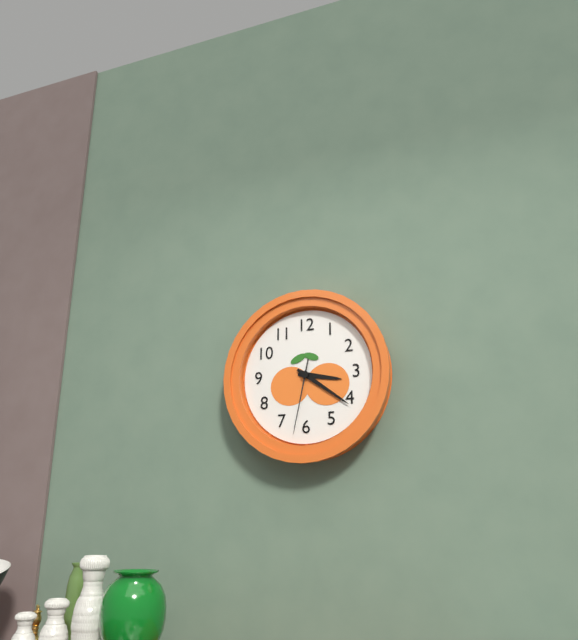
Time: **3:21:32**
